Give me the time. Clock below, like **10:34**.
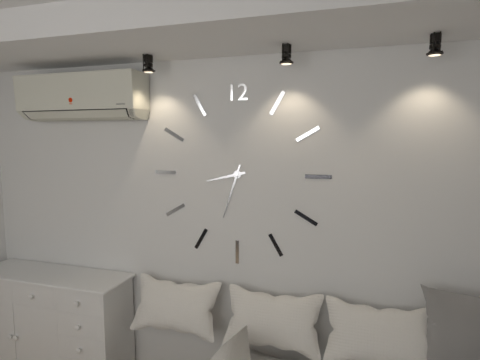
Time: **8:33**
